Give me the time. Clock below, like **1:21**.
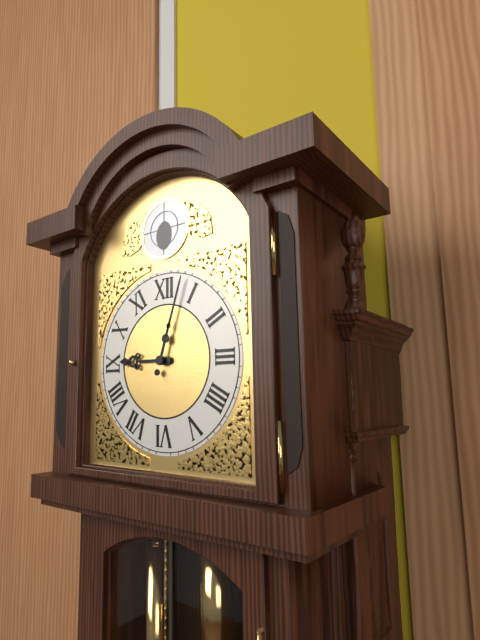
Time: **9:03**
